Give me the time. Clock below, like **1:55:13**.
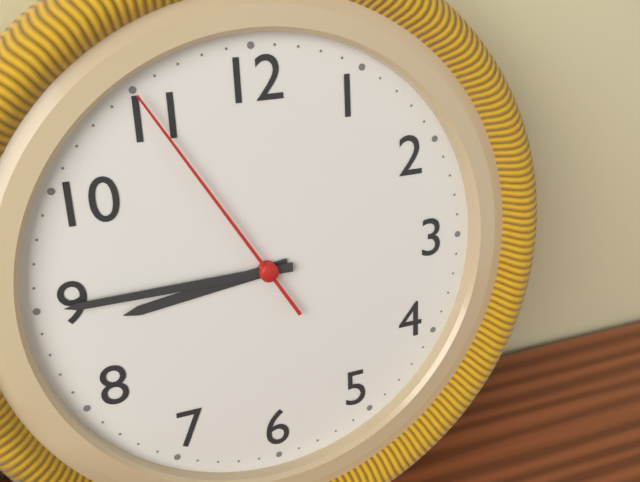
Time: **8:45:55**
